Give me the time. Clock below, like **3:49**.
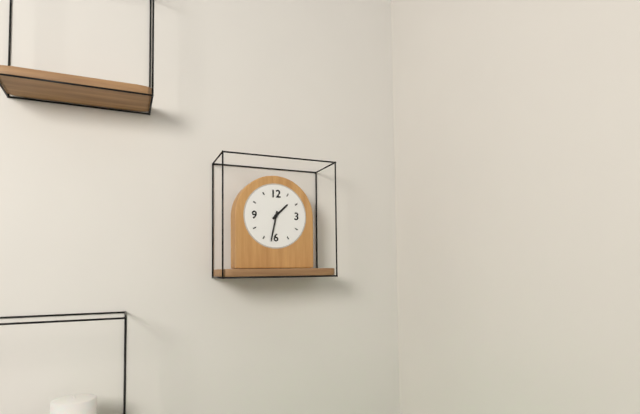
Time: **1:32**
